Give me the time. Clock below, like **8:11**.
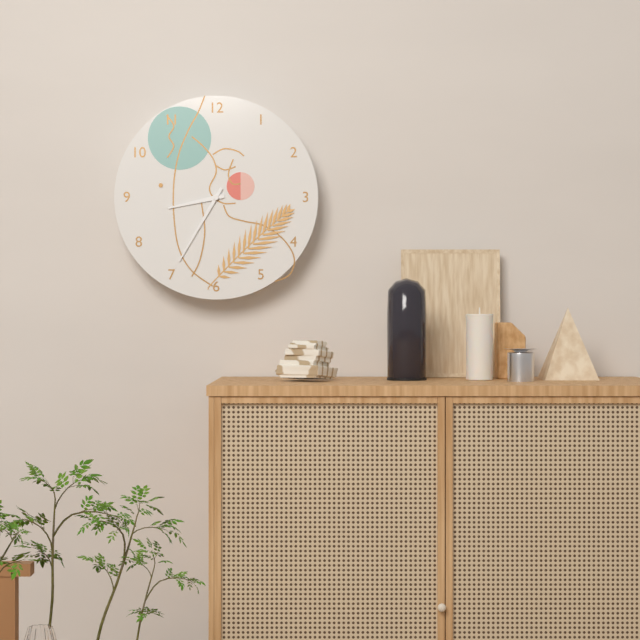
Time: **8:35**
